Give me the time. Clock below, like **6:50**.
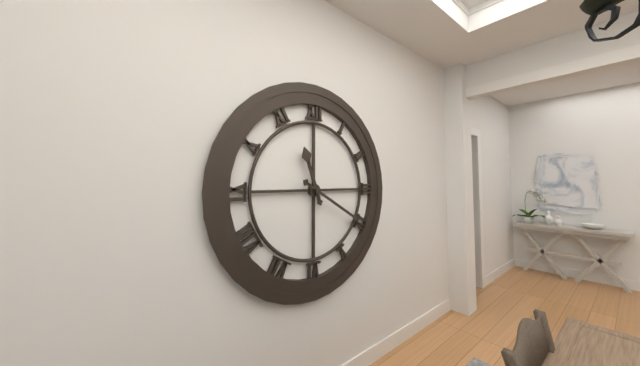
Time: **11:20**
